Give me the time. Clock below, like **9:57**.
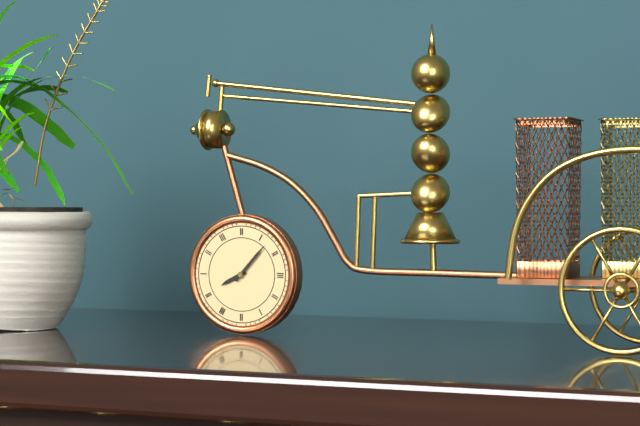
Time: **8:07**
